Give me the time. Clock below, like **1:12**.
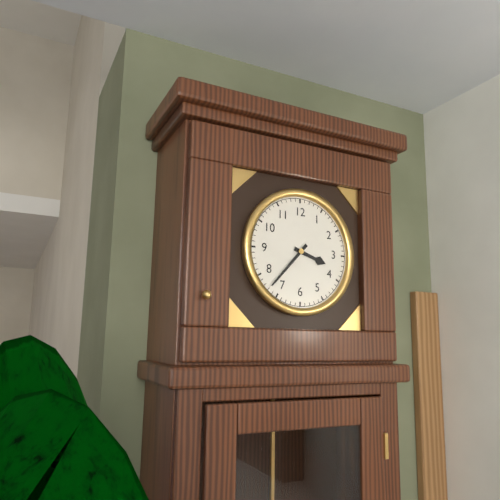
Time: **3:37**
